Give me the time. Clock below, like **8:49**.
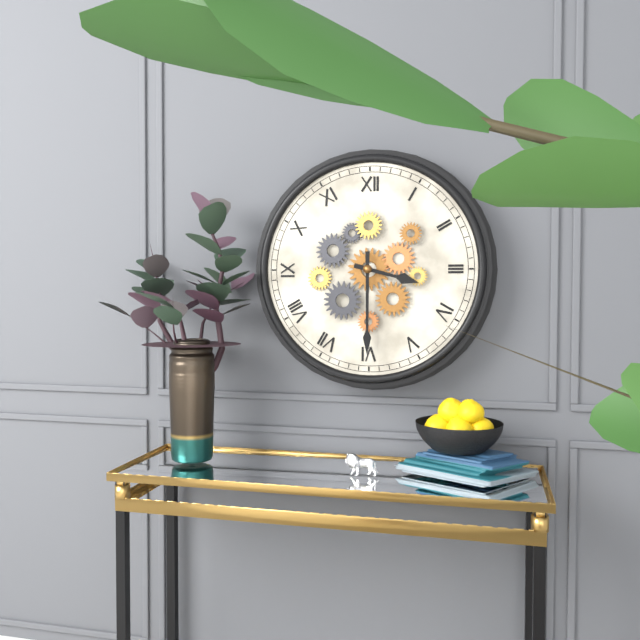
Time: **3:30**
